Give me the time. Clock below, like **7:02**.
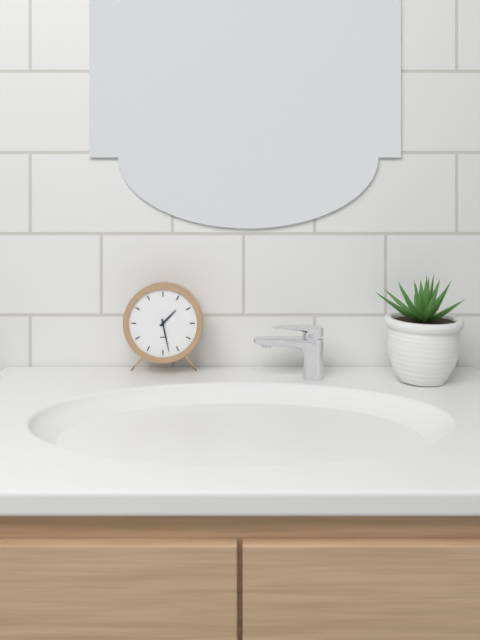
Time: **1:28**
